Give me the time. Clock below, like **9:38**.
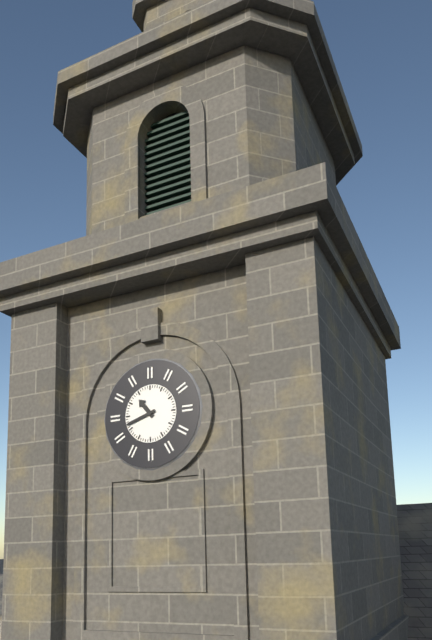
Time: **10:42**
